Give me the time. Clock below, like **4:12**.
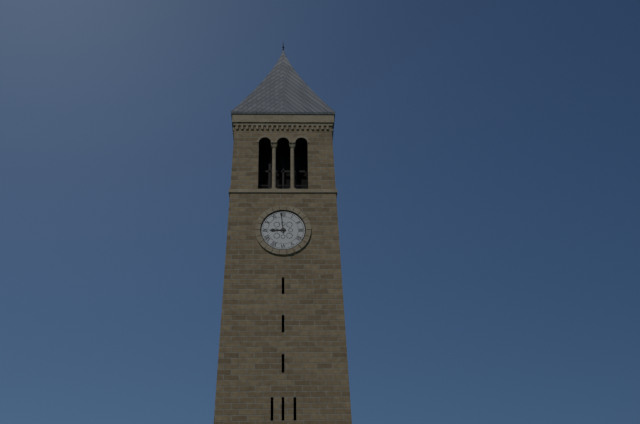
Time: **8:59**
